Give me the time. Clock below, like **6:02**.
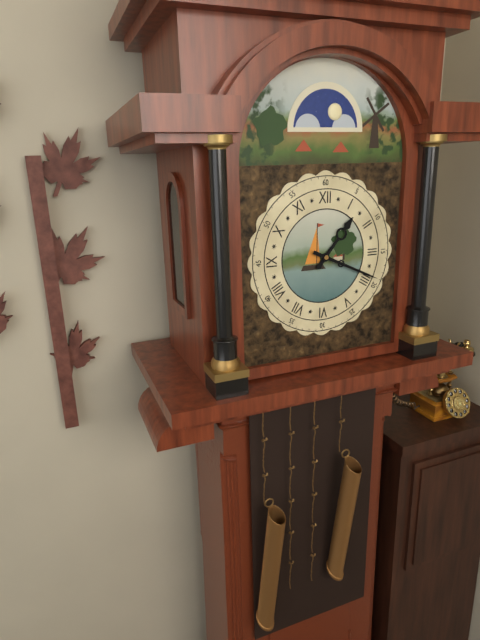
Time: **1:19**
